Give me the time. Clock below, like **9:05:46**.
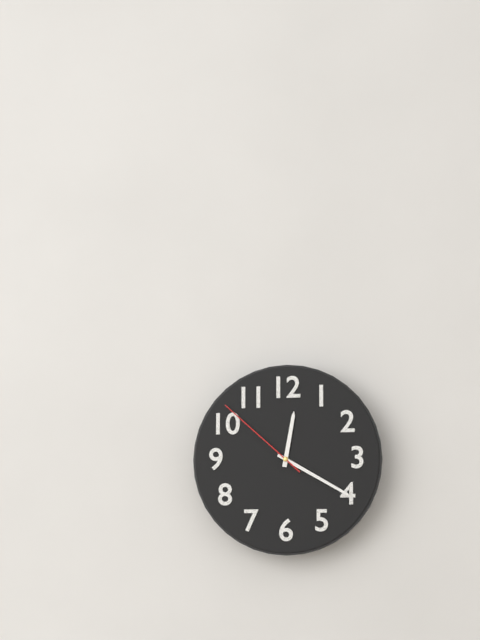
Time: **12:20:52**
